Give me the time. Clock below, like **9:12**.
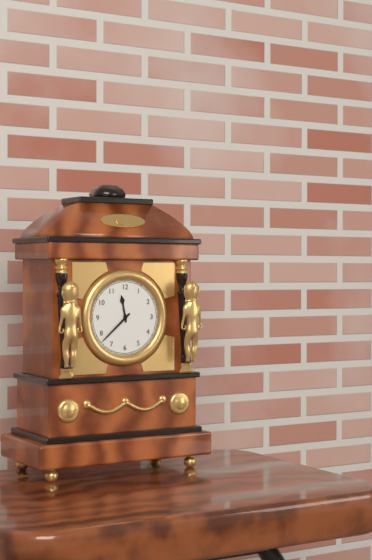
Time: **11:38**
